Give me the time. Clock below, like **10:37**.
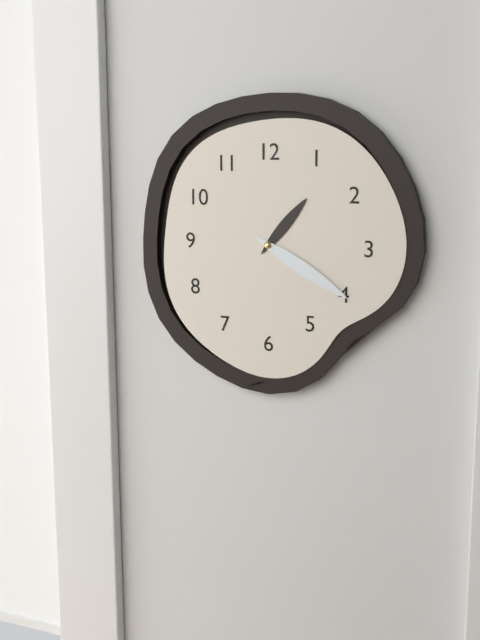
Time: **1:20**
